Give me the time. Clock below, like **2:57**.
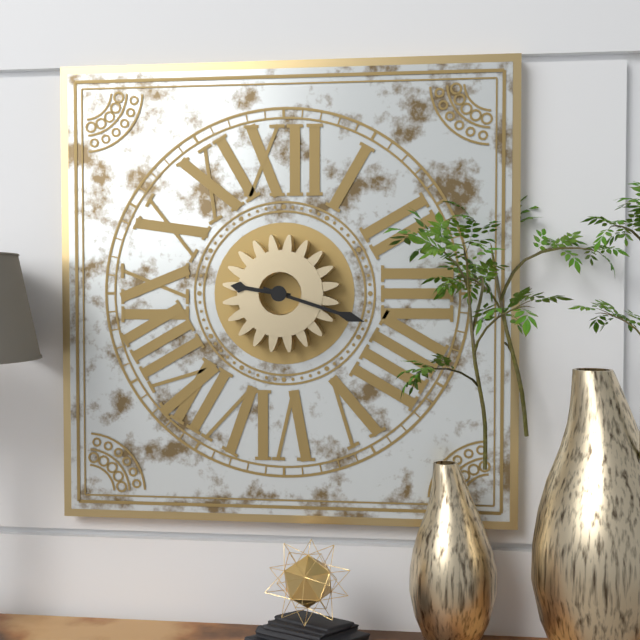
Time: **9:18**
